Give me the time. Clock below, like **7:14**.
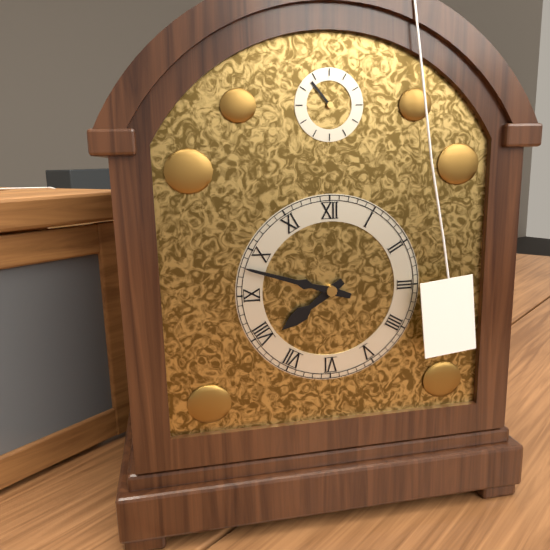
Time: **7:48**
